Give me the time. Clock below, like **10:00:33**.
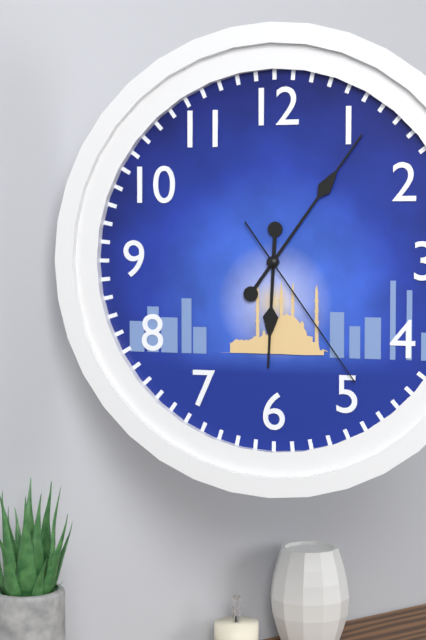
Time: **6:06:24**
